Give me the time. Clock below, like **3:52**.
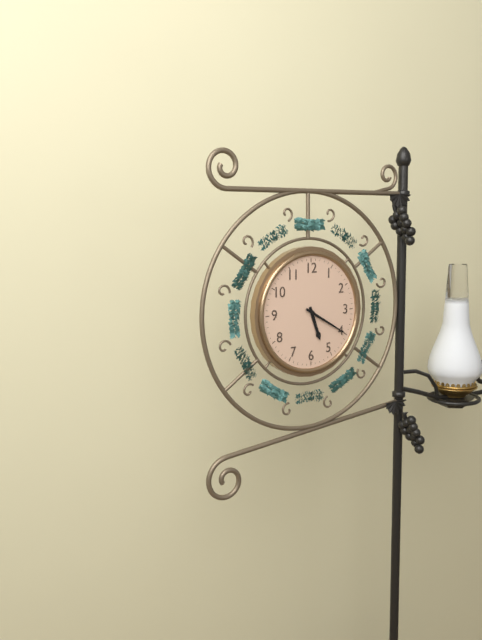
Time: **5:20**
